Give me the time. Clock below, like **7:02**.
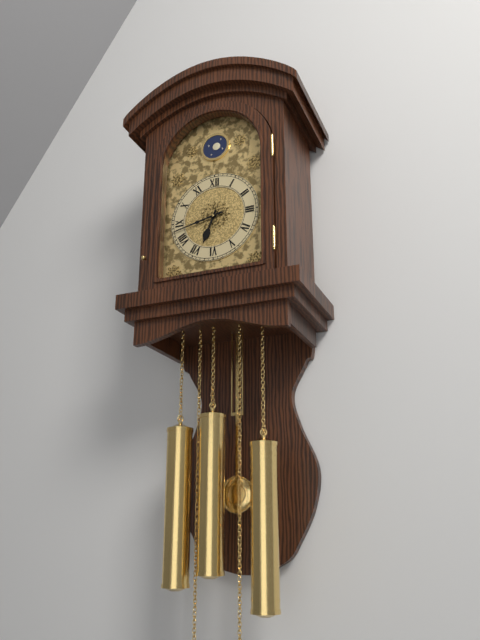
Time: **6:43**
